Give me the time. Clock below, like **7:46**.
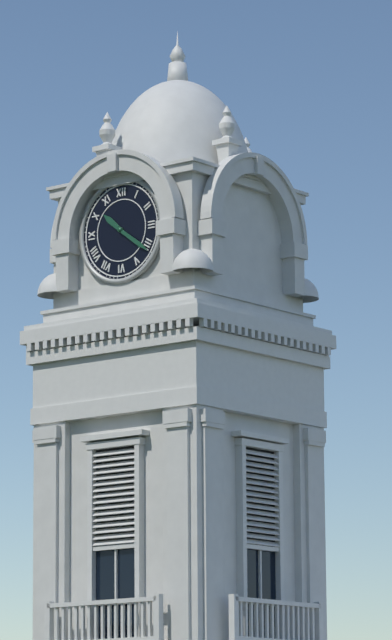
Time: **10:21**
